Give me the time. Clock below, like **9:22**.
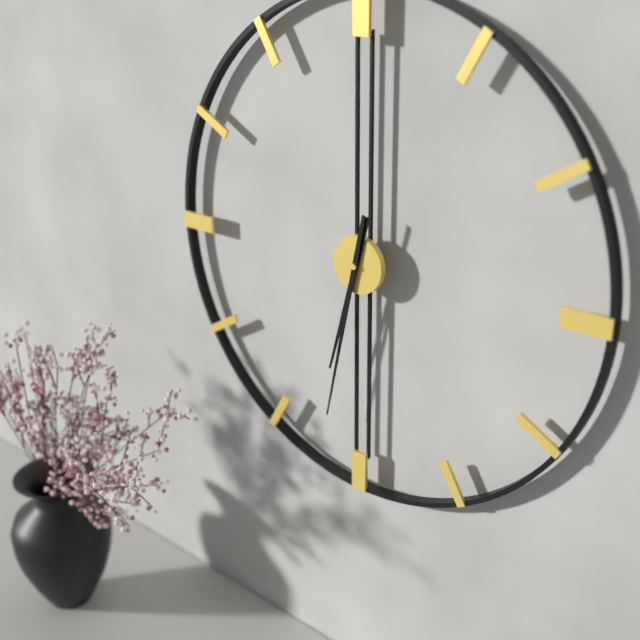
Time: **6:32**
